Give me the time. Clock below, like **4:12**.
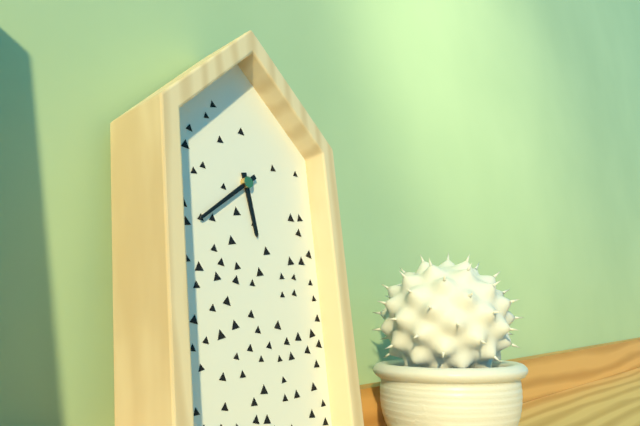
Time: **5:39**
